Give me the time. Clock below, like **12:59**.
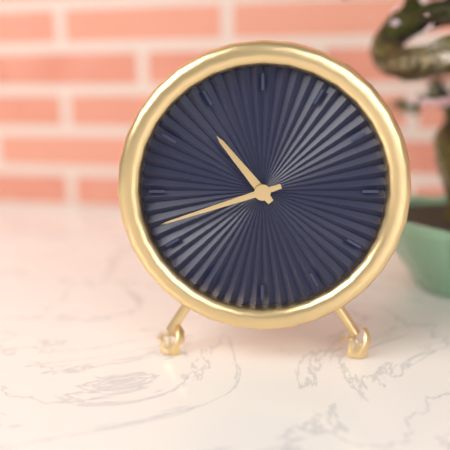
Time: **10:42**
